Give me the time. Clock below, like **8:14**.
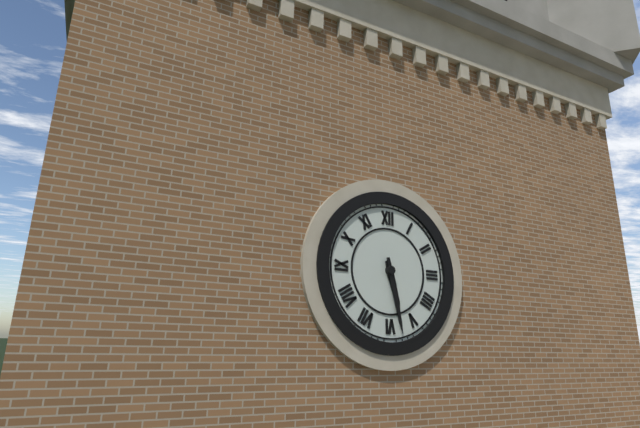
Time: **5:28**
